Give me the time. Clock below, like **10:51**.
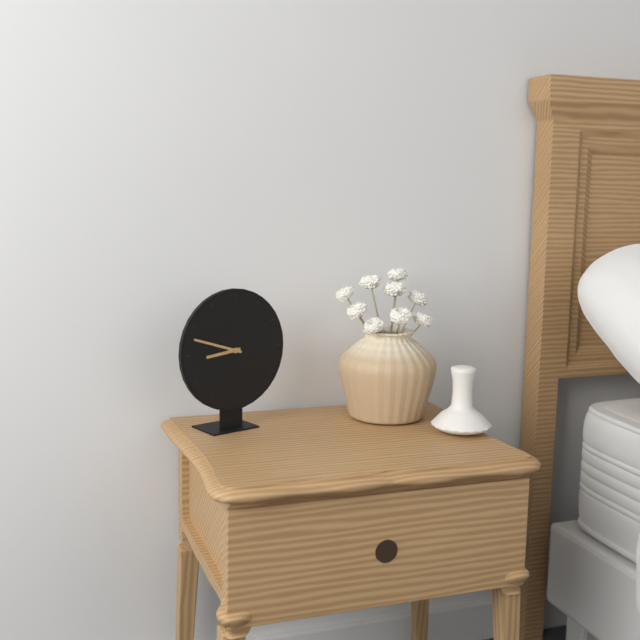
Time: **8:48**
